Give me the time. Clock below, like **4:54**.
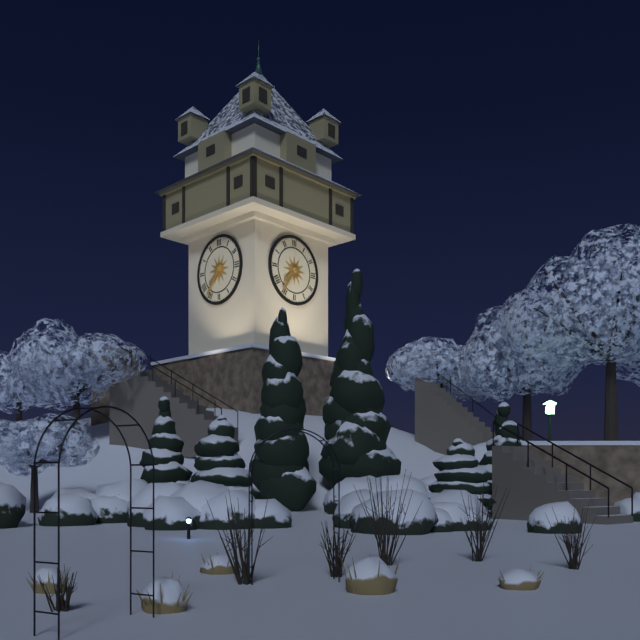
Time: **7:36**
